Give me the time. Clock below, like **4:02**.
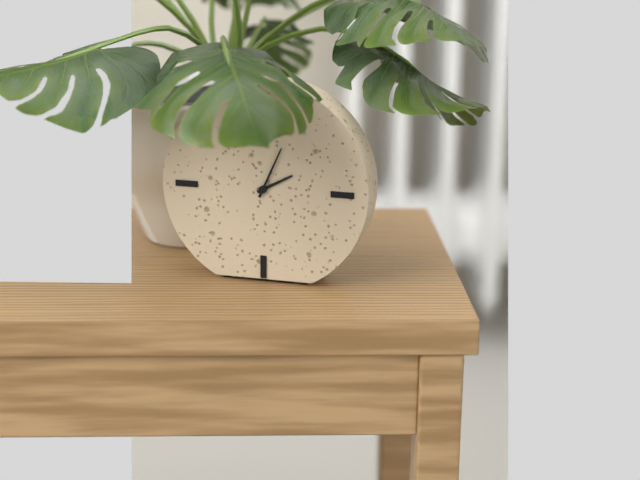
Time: **2:04**
